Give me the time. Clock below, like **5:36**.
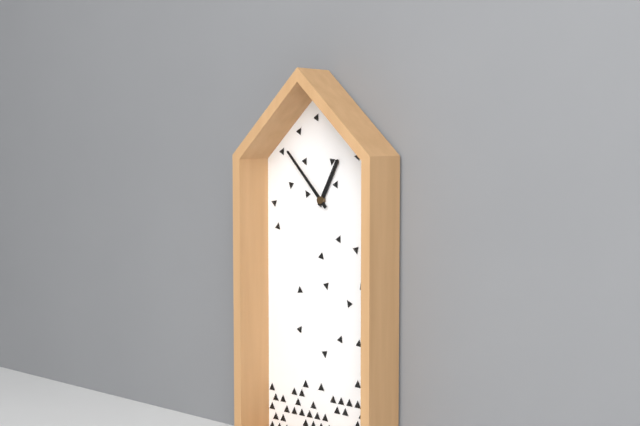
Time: **12:53**
